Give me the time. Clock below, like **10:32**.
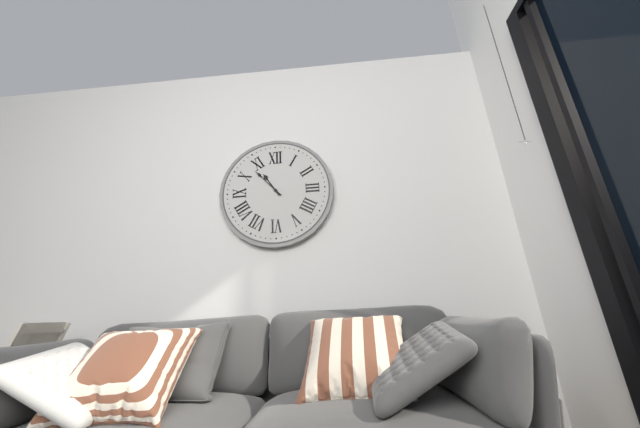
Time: **10:53**
